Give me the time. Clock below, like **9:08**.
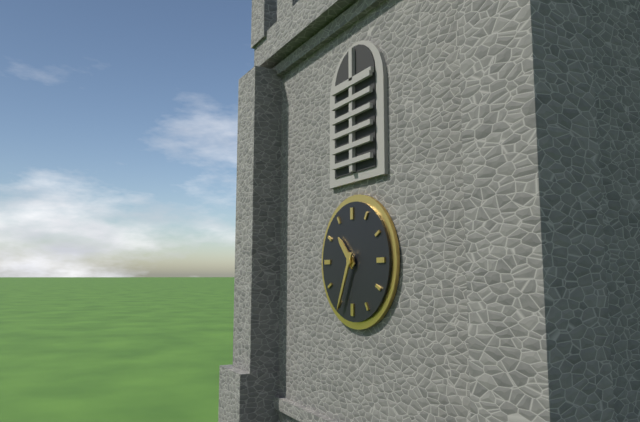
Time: **10:34**
